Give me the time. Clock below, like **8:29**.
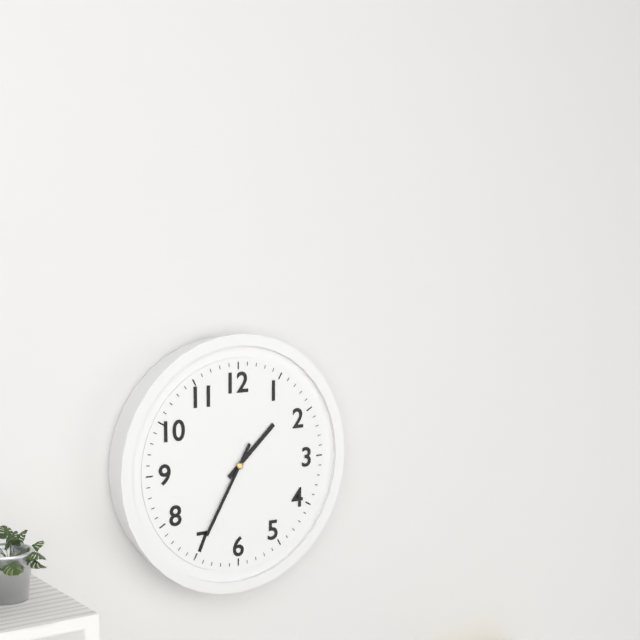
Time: **1:35**
